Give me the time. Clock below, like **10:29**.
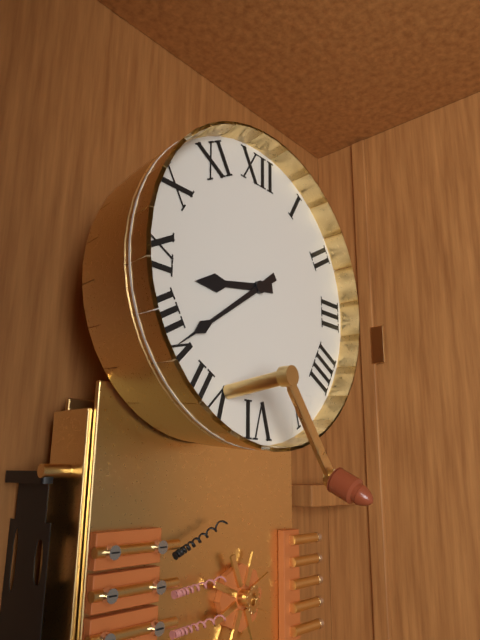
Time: **8:39**
